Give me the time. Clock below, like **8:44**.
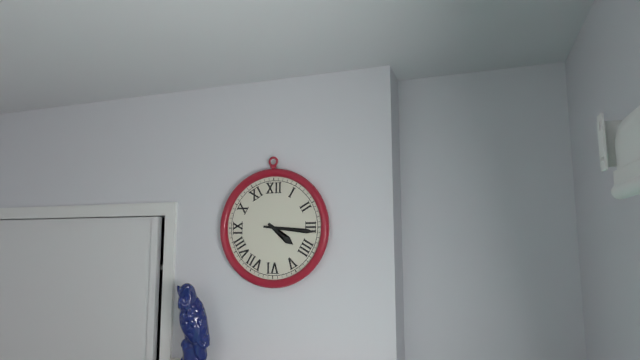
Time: **4:16**
